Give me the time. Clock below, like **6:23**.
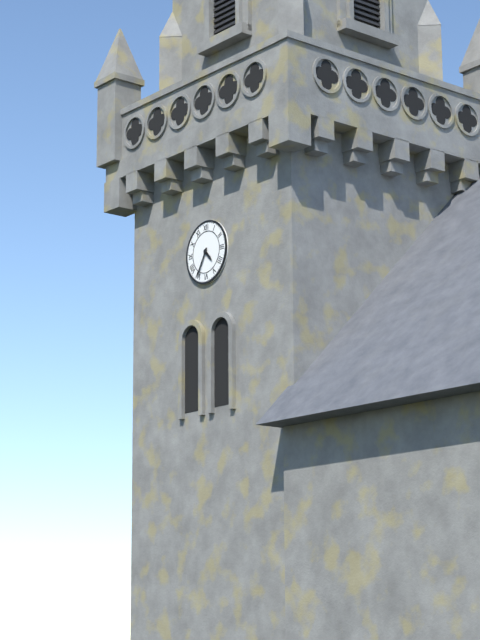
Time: **4:35**
